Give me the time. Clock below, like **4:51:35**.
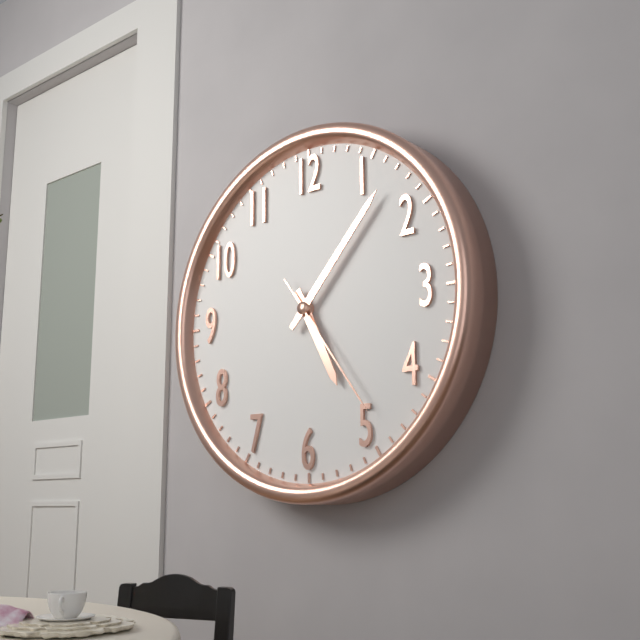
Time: **5:07:24**
